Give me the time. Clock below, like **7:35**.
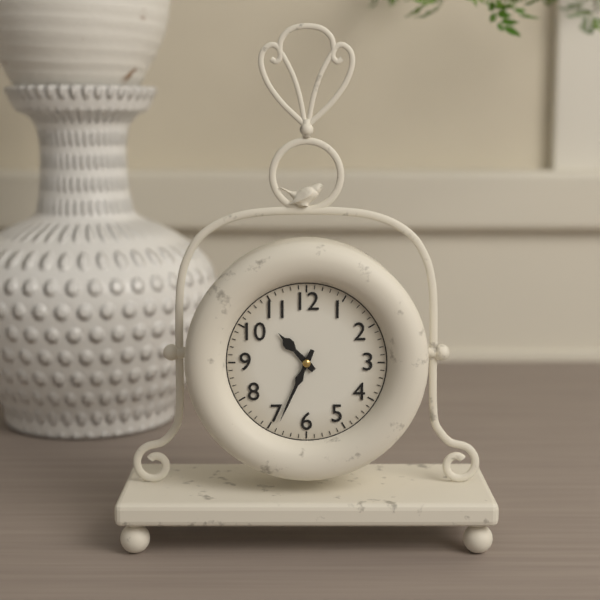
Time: **10:34**
